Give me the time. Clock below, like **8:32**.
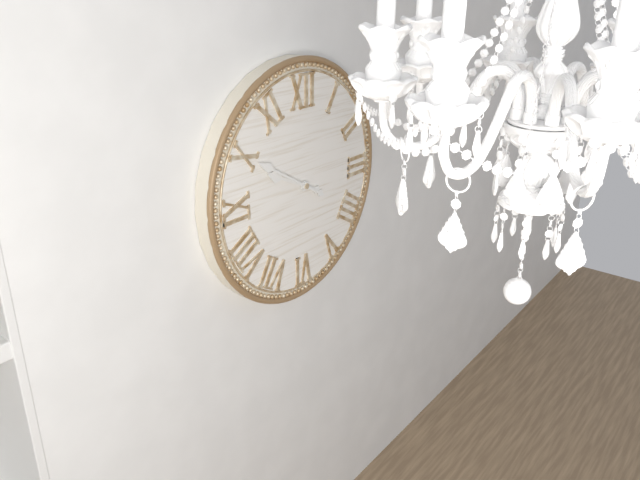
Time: **9:50**
